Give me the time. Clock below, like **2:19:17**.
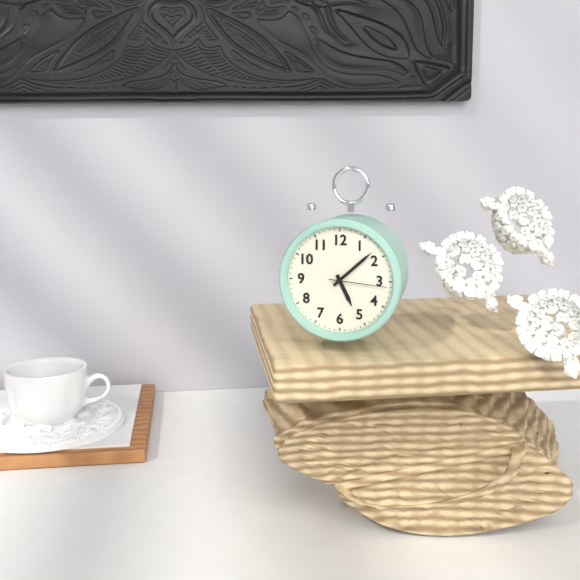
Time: **5:08:16**
